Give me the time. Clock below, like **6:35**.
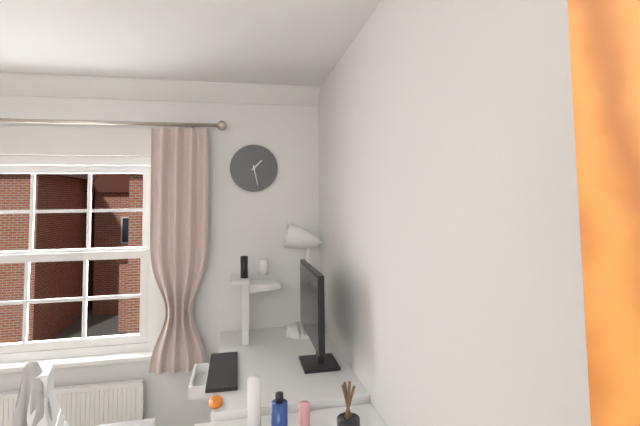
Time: **1:28**
